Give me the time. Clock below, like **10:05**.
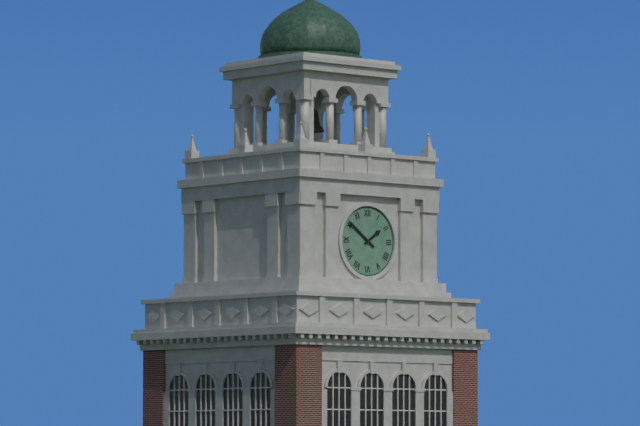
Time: **1:51**
